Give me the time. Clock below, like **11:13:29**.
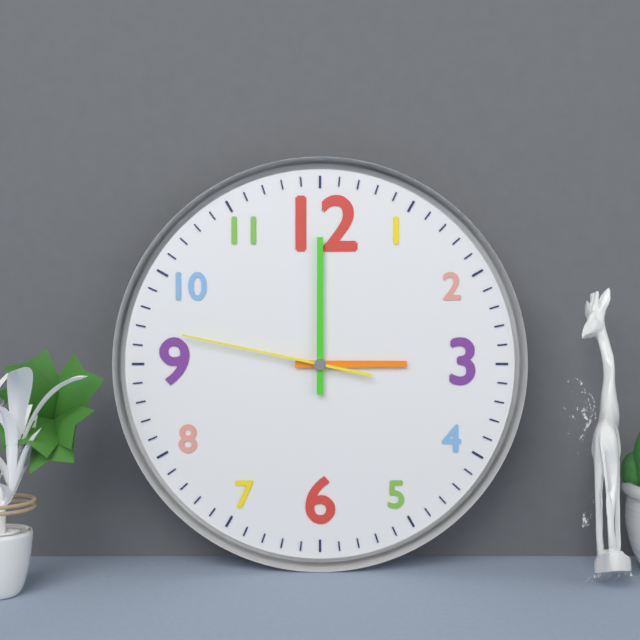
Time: **3:00:47**
